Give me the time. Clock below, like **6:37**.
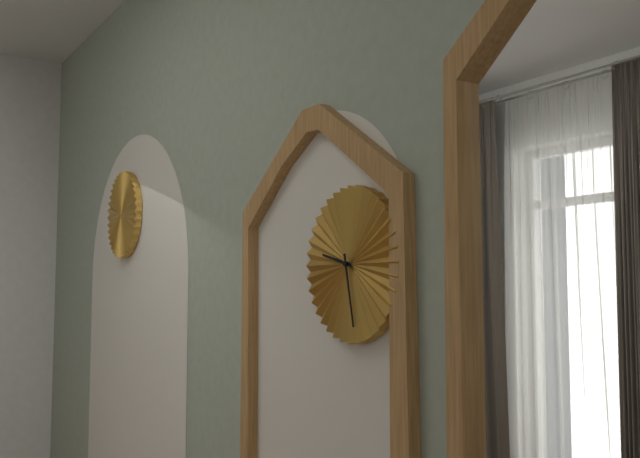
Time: **9:28**
